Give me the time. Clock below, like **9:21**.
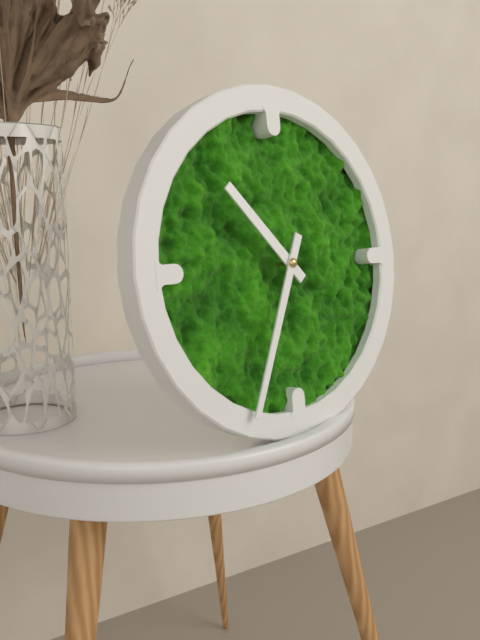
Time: **10:34**
